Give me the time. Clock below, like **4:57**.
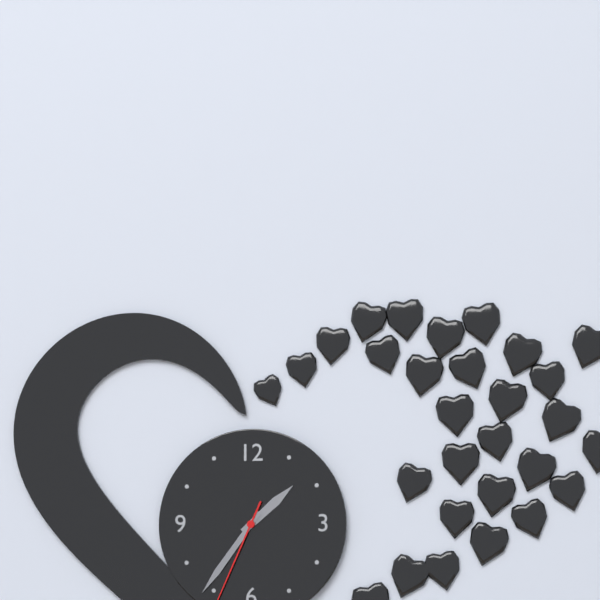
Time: **1:36**
